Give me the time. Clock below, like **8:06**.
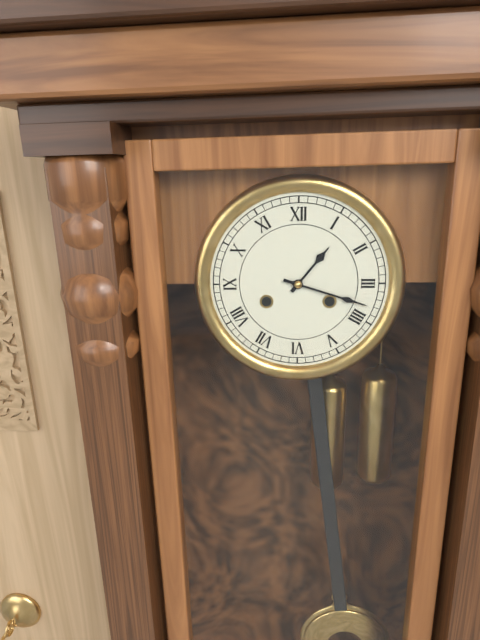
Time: **1:18**
